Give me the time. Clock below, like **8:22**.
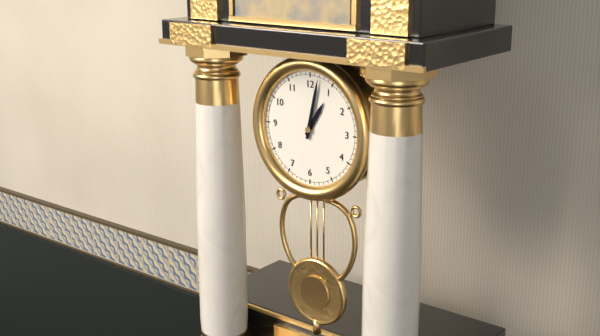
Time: **1:02**
